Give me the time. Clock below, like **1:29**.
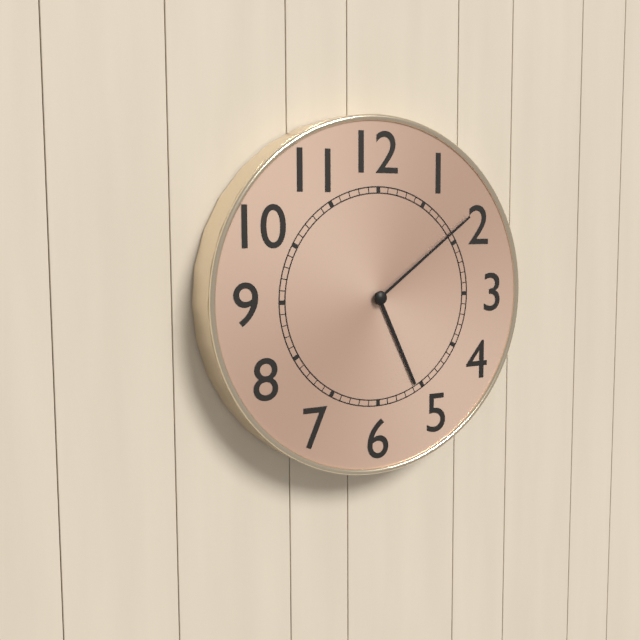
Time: **5:09**
